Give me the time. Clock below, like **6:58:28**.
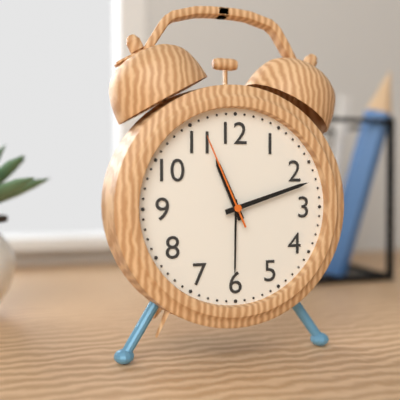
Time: **11:12:56**
